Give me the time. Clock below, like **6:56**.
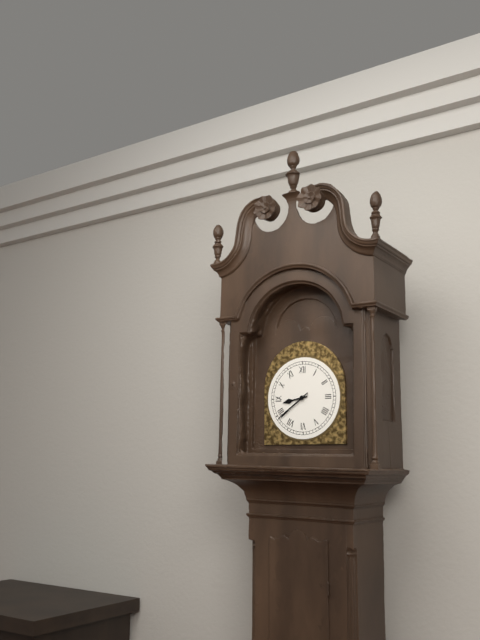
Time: **8:39**
